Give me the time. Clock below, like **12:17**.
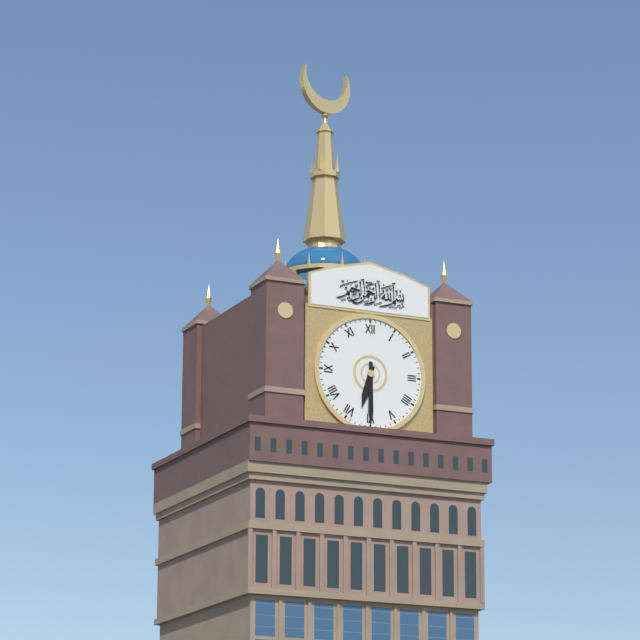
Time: **6:30**
